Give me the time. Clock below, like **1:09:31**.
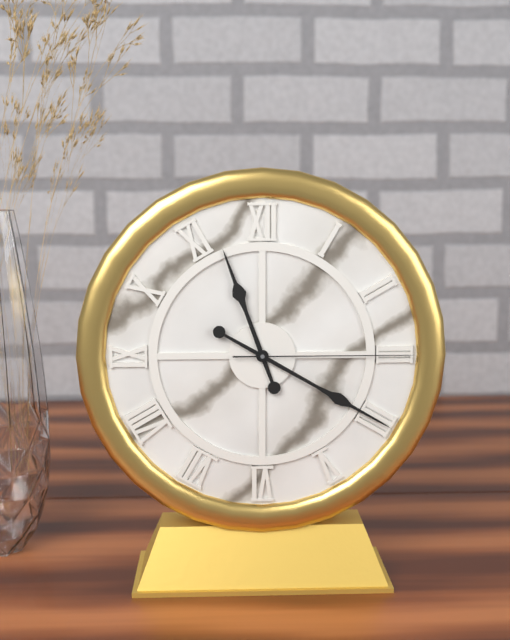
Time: **11:20:15**
